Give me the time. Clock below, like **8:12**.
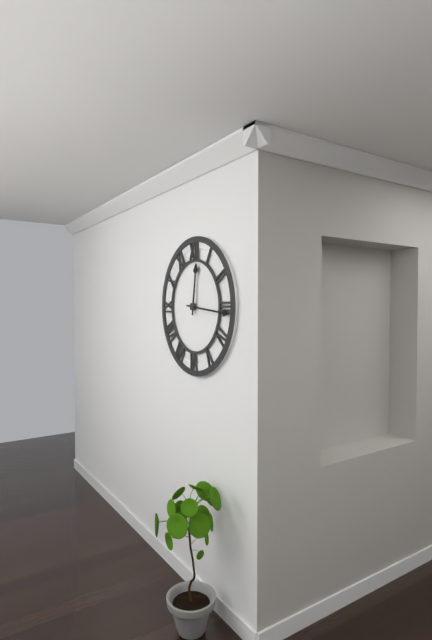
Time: **12:16**
